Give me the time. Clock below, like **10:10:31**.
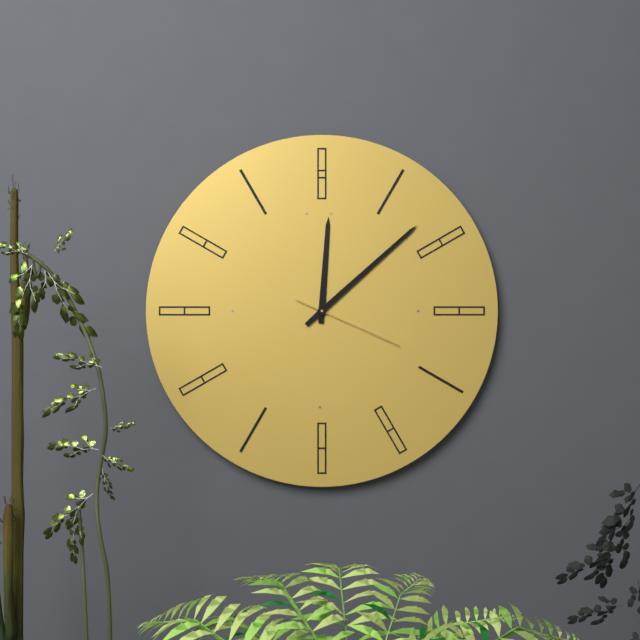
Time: **12:08:19**
